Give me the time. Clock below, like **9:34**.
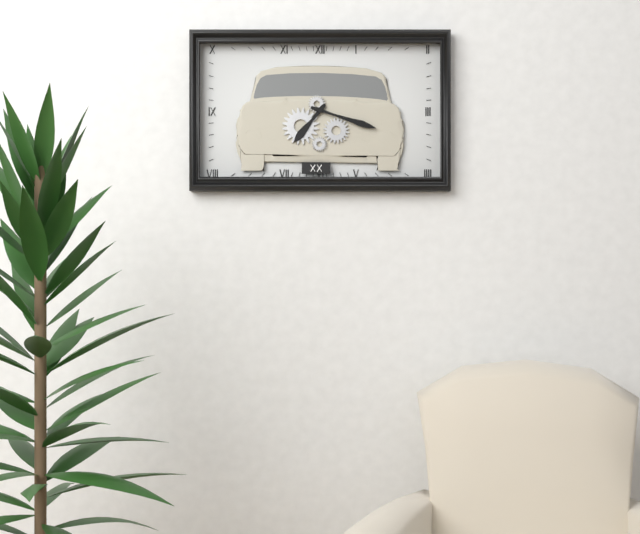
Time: **7:18**
